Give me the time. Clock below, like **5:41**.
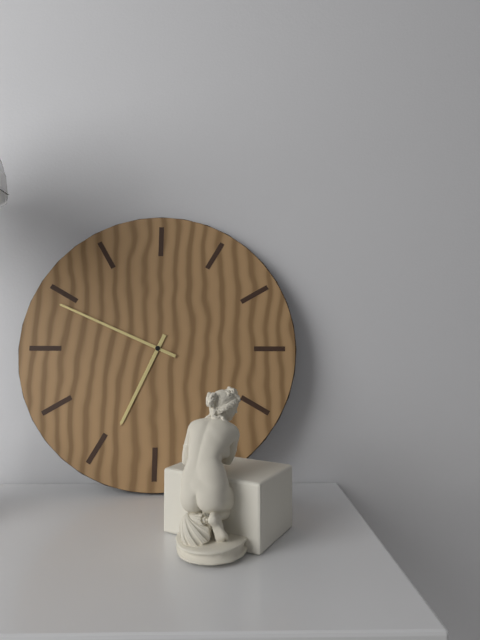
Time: **6:49**
